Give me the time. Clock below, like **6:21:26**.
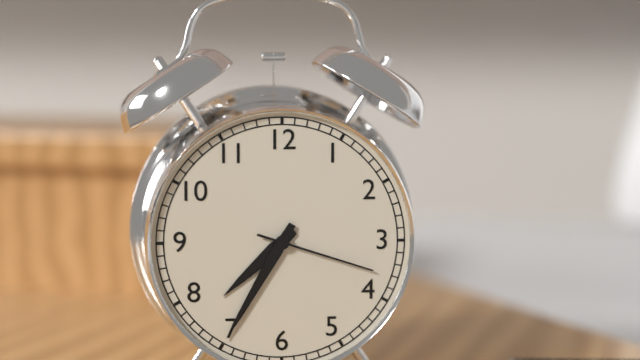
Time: **7:35:18**
